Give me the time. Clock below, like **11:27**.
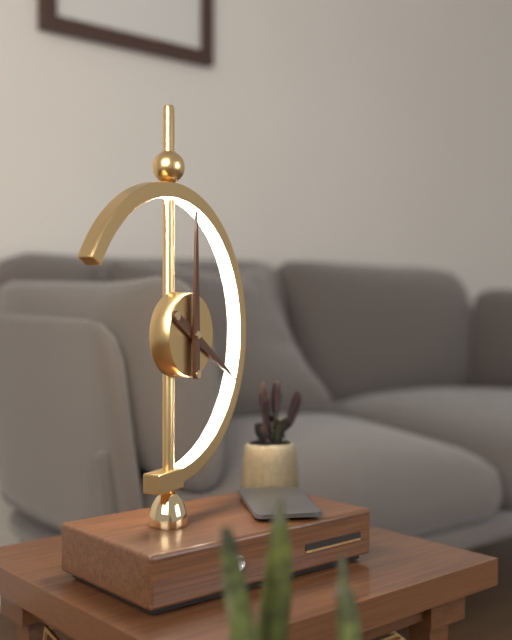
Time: **4:00**
